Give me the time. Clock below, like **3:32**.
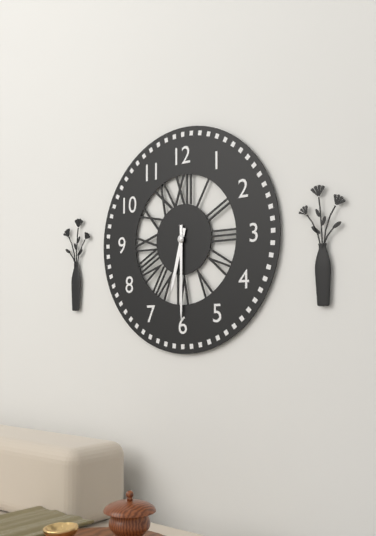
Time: **6:30**
